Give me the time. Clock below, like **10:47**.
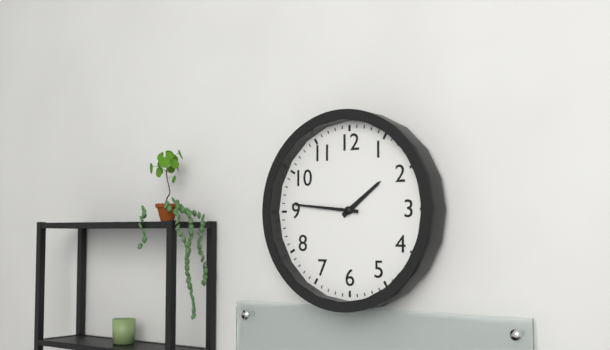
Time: **1:46**
